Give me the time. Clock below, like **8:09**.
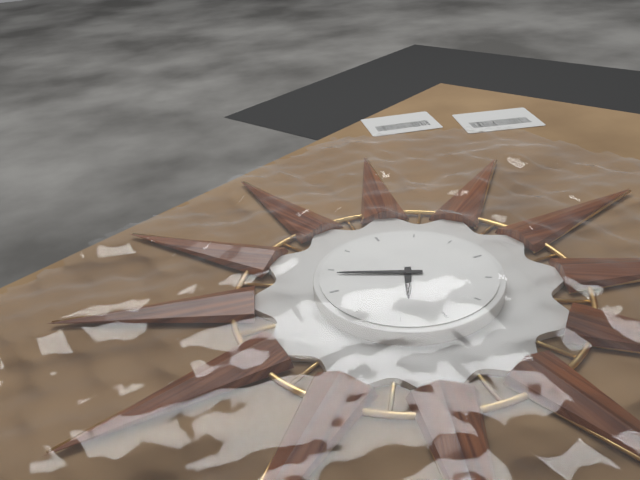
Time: **6:49**
